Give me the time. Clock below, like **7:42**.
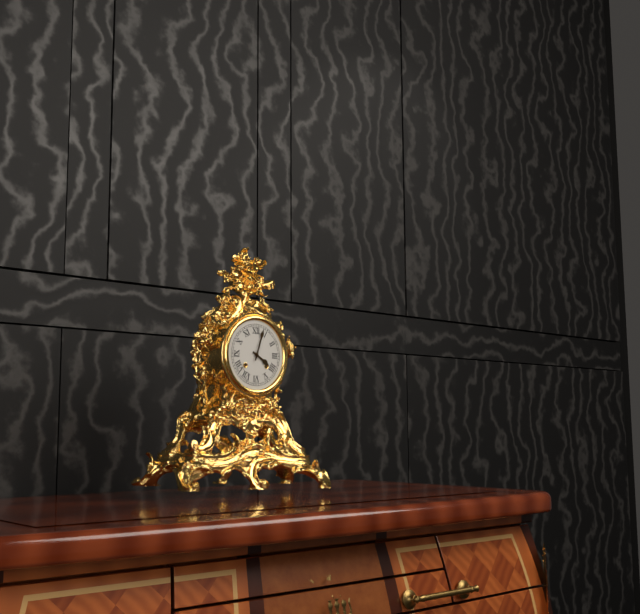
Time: **4:03**
